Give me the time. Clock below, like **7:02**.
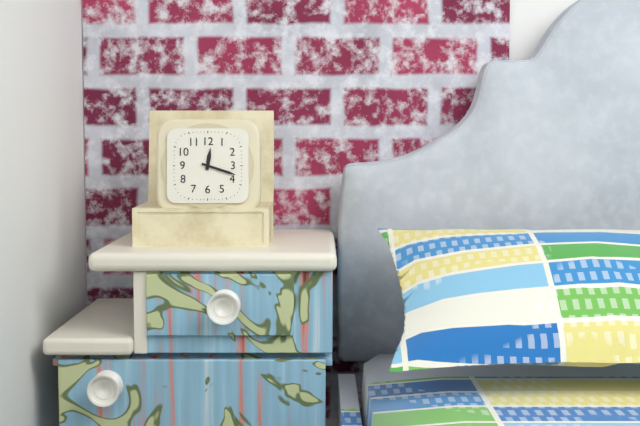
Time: **12:18**
